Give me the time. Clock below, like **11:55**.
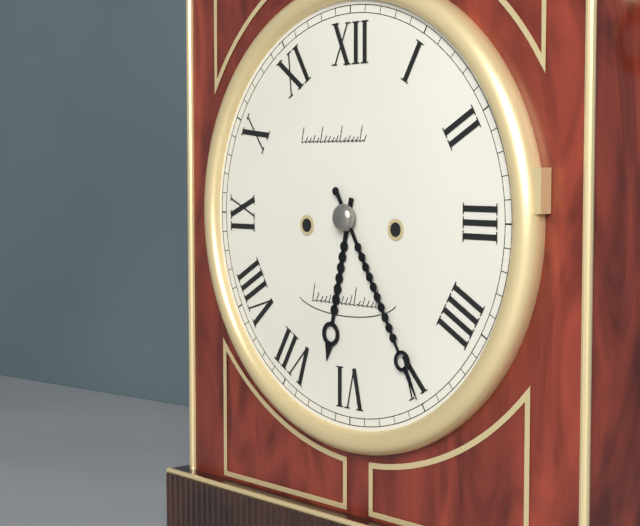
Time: **6:25**
